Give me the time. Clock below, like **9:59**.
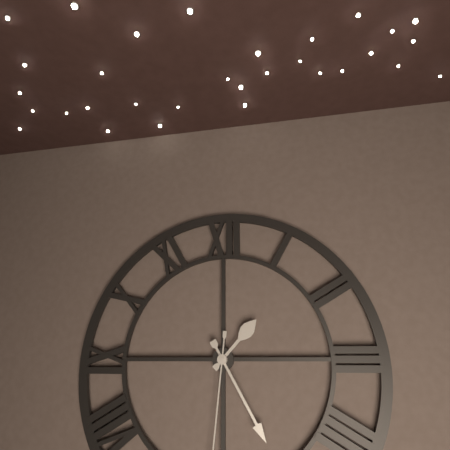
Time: **1:25**
